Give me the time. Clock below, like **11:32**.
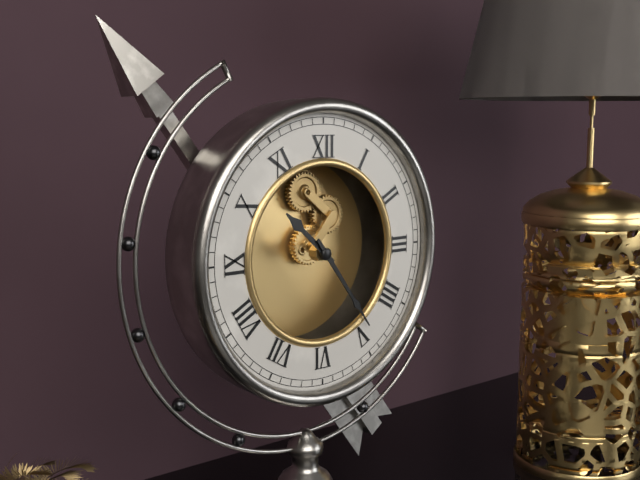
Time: **10:24**
